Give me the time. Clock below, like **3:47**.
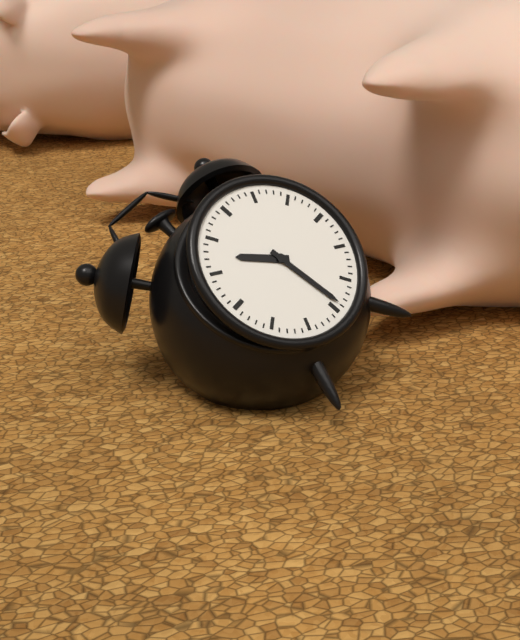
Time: **10:29**
